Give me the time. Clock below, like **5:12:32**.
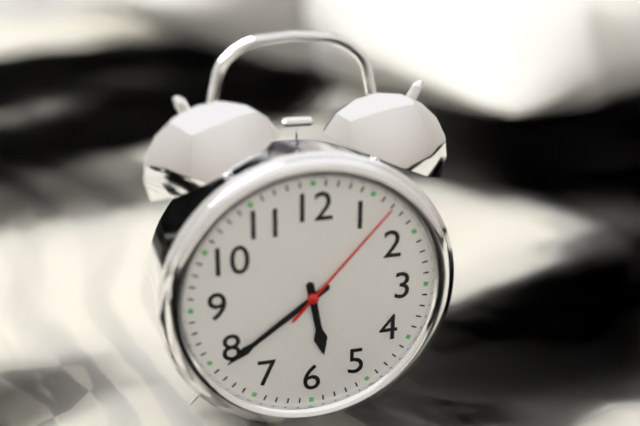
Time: **5:39:07**
